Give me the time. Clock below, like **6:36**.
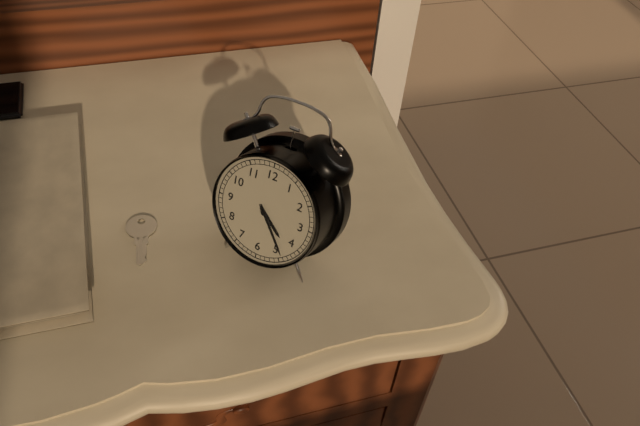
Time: **4:24**
